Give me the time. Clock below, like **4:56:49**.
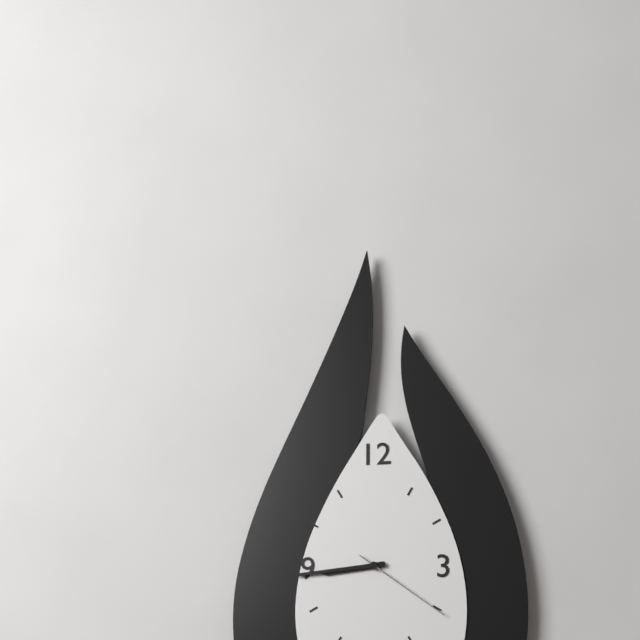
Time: **8:44:21**
